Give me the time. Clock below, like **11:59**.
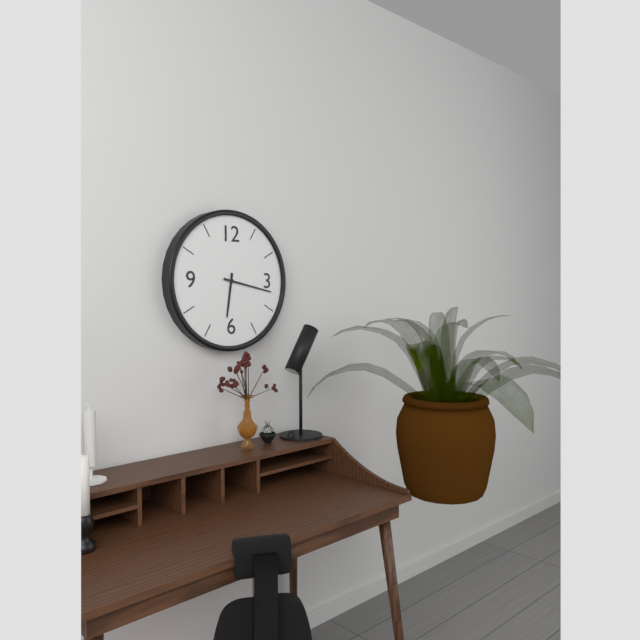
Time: **6:17**
